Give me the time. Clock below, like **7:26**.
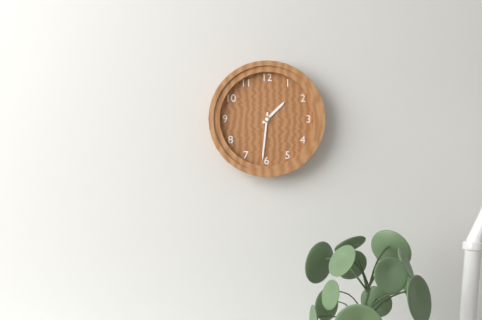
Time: **1:31**
